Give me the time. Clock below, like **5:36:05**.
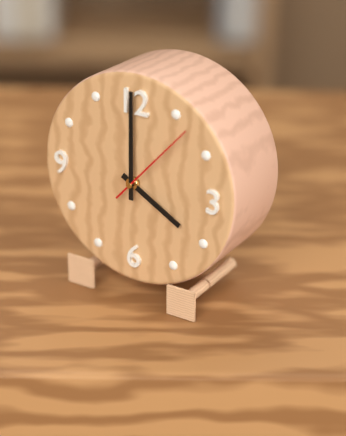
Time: **4:00:07**
